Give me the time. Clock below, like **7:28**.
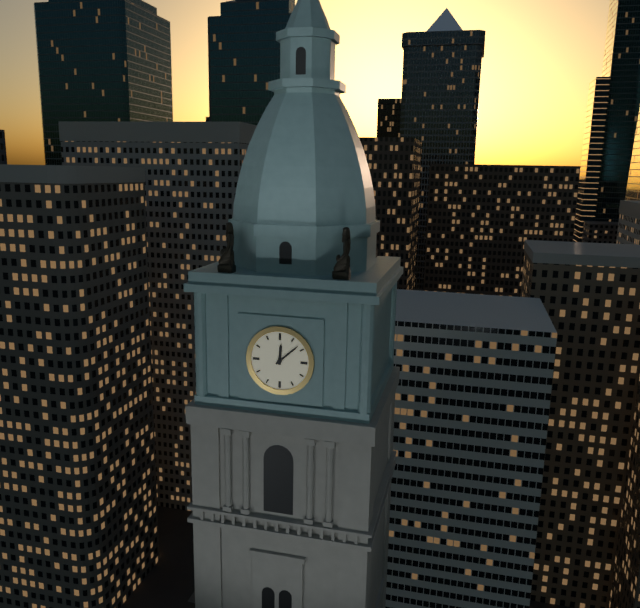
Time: **12:08**
